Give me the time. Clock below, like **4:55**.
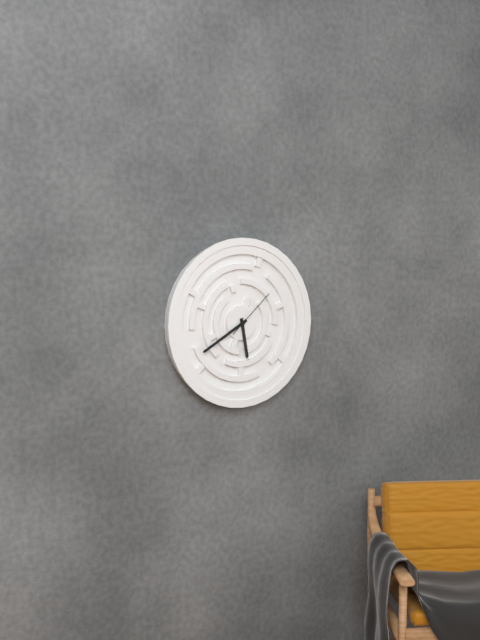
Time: **5:40**
